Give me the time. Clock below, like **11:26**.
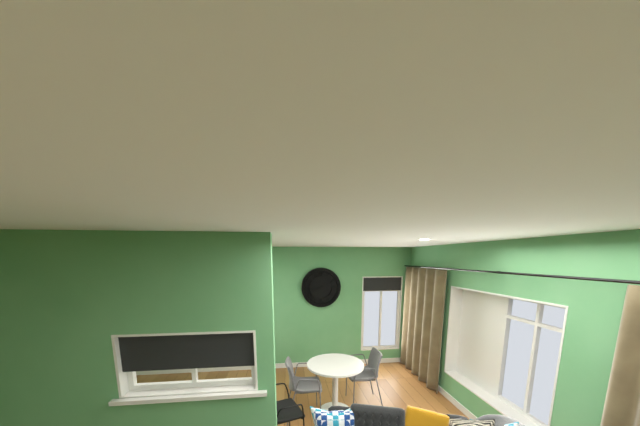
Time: **8:43**
